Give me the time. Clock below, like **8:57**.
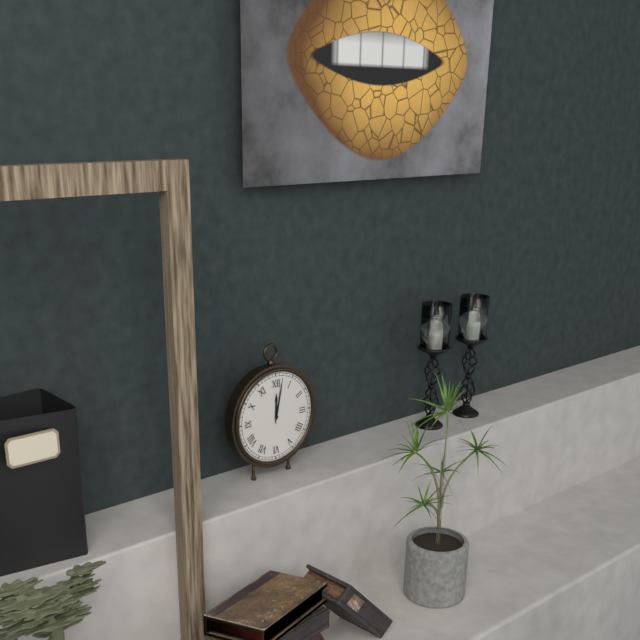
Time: **12:02**
